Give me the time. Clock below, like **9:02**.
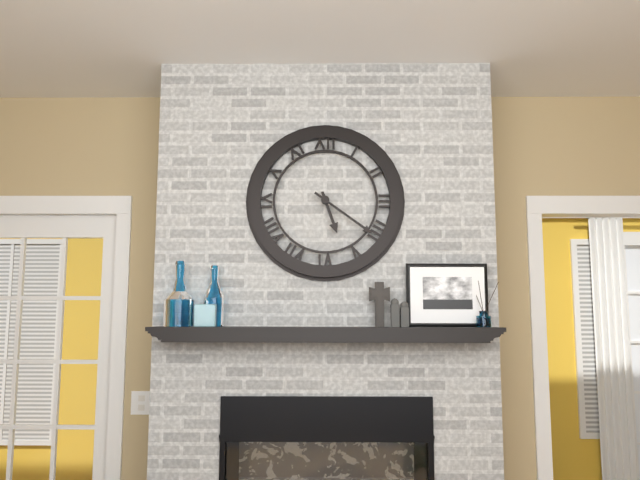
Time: **5:21**
